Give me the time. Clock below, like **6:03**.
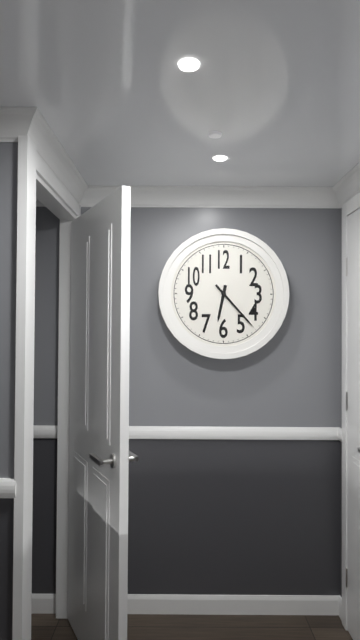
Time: **6:23**
